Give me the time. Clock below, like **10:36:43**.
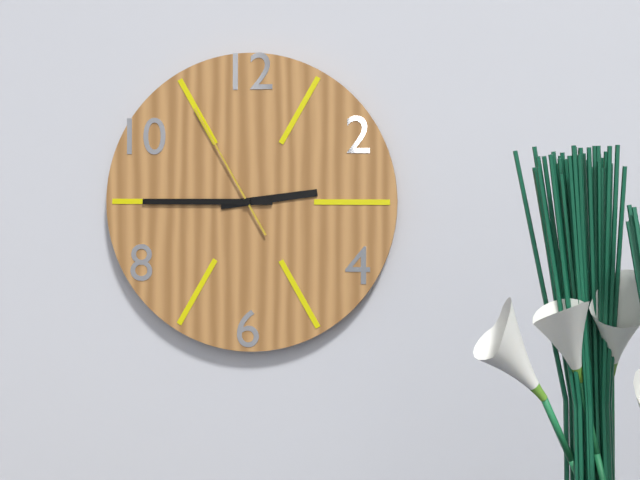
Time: **2:45:55**
